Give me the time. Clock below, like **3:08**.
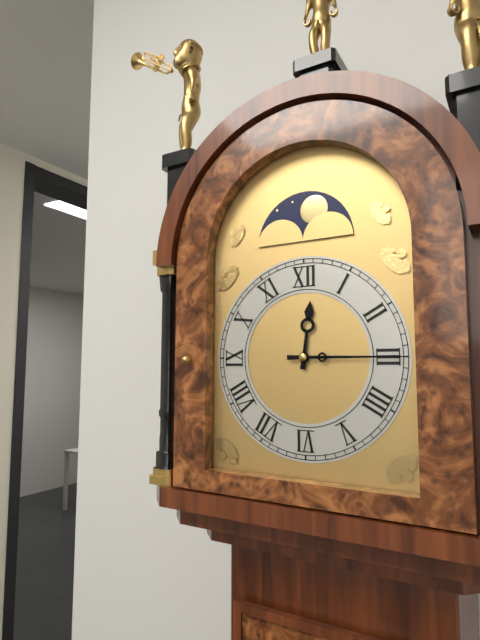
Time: **12:15**
